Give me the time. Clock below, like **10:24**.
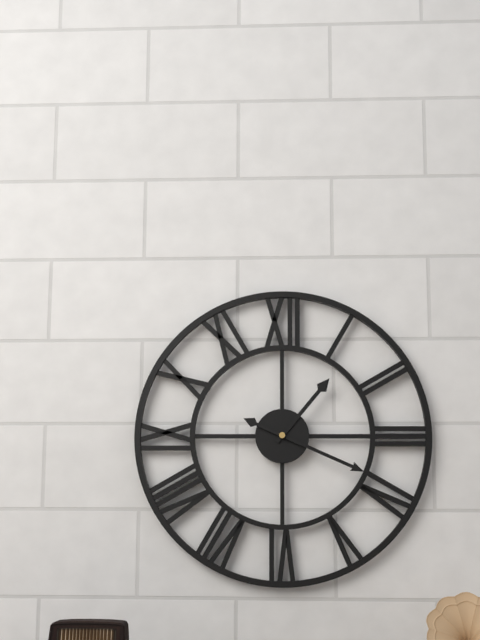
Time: **1:19**
